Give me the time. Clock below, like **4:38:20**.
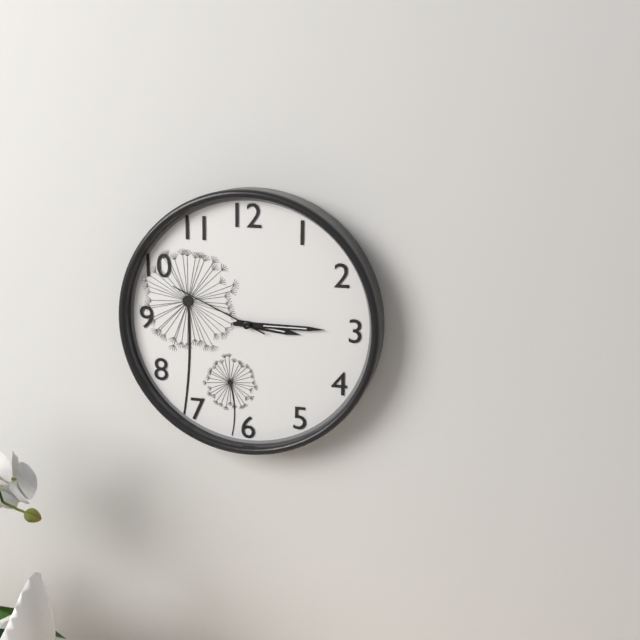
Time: **3:15:49**
